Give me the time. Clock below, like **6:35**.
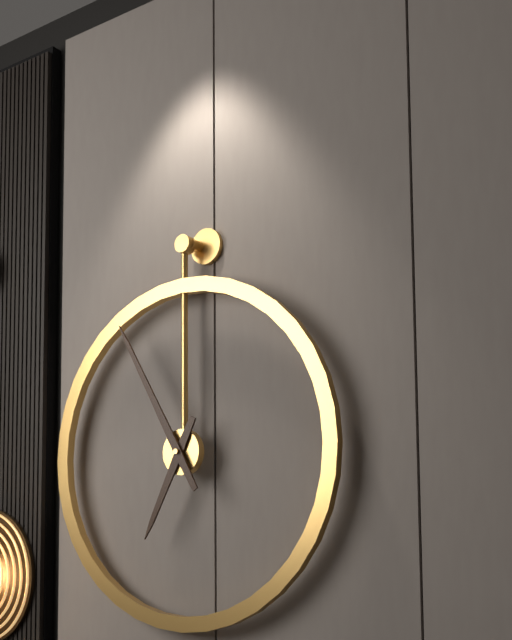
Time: **6:55**
